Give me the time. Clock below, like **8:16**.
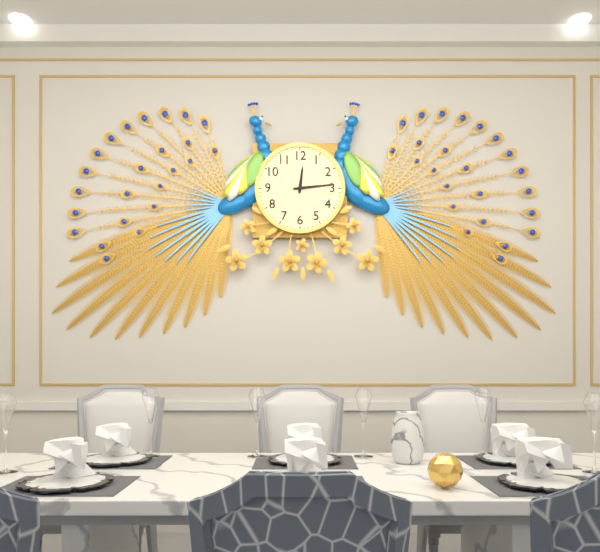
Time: **12:14**
